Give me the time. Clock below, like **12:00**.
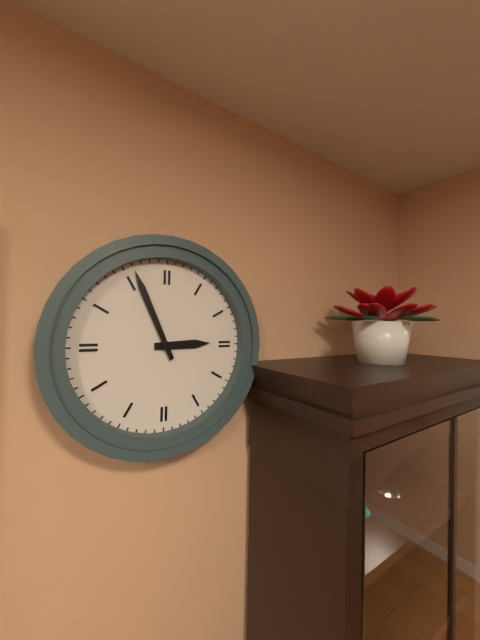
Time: **2:56**
